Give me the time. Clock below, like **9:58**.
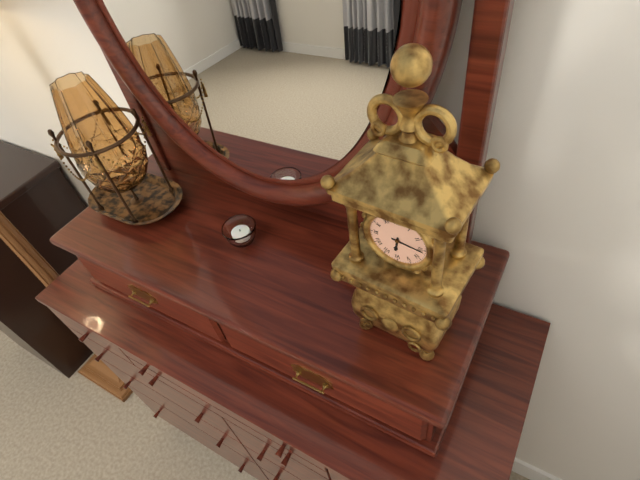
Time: **6:16**
